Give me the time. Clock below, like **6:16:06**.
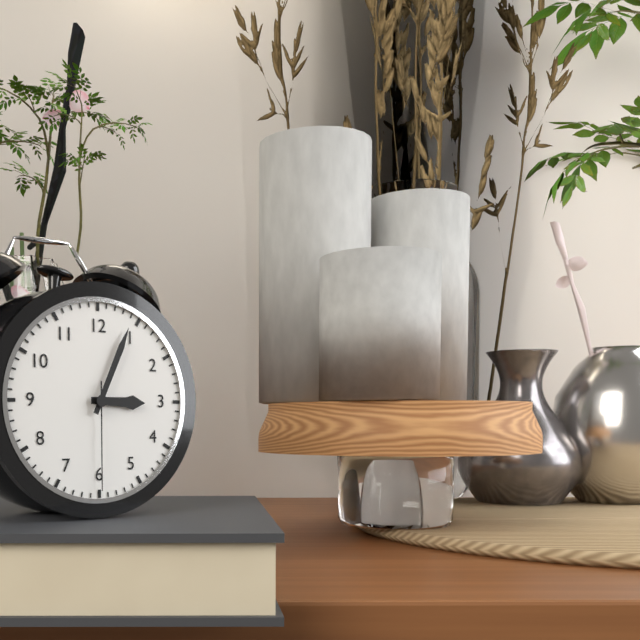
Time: **3:04:30**
